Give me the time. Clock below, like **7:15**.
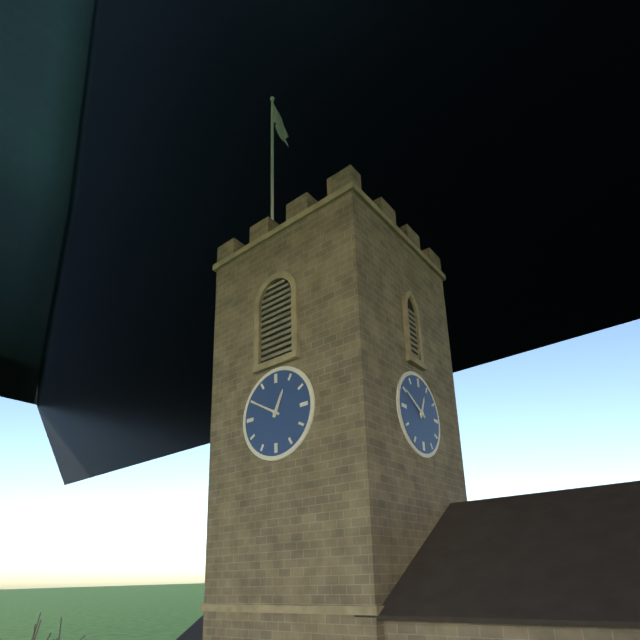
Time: **12:50**
